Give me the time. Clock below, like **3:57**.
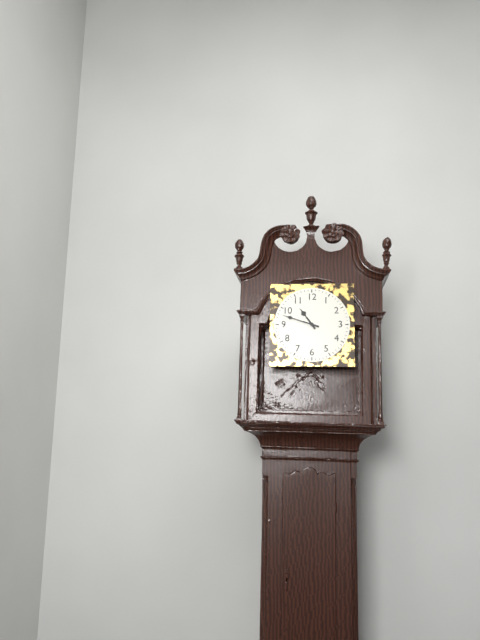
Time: **10:48**
